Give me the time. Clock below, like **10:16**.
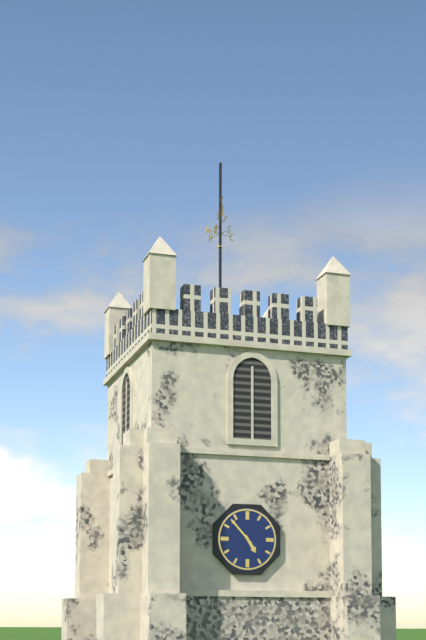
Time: **4:53**
